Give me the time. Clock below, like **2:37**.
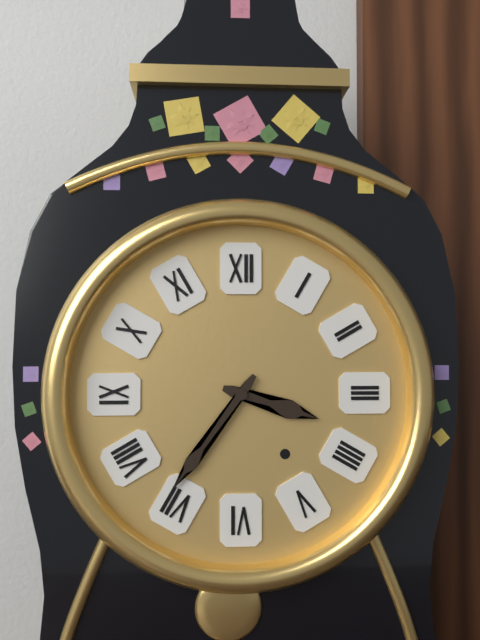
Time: **3:36**
